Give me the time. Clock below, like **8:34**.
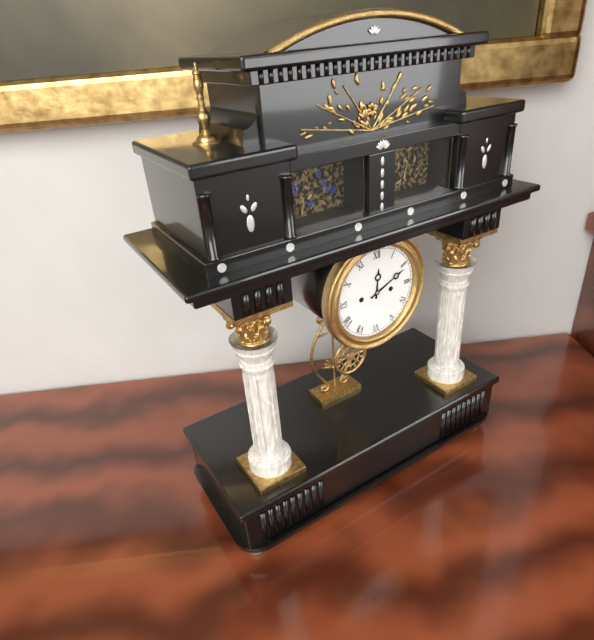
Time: **12:11**
